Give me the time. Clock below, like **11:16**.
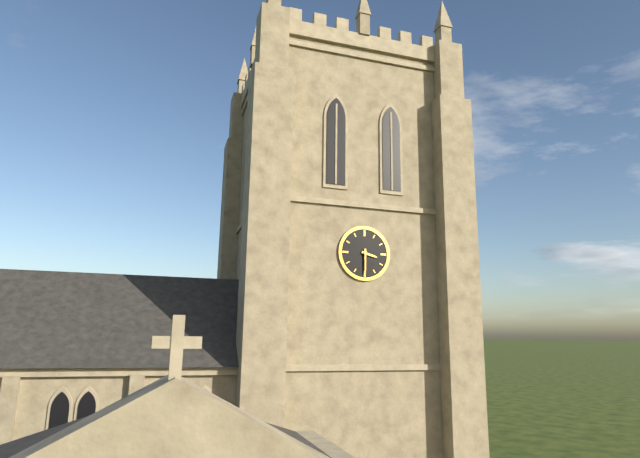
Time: **3:30**
